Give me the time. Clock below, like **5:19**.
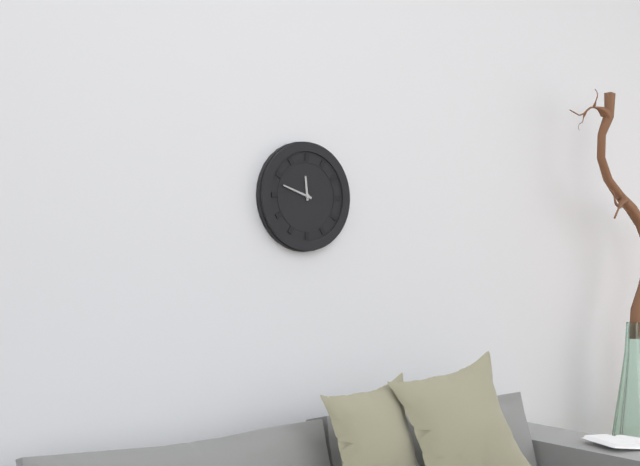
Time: **11:48**
